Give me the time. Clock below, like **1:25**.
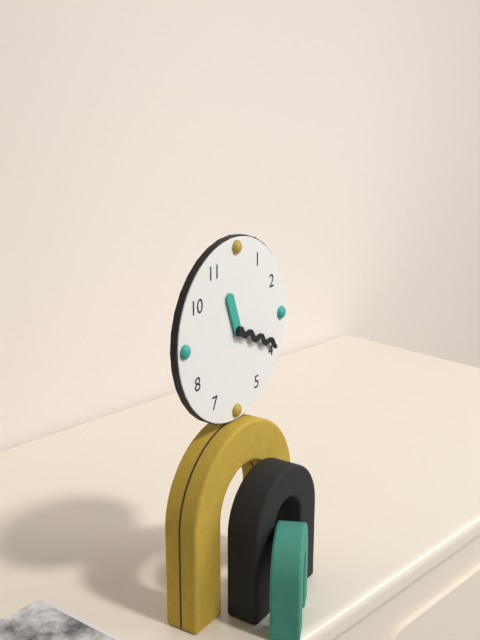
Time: **11:19**
